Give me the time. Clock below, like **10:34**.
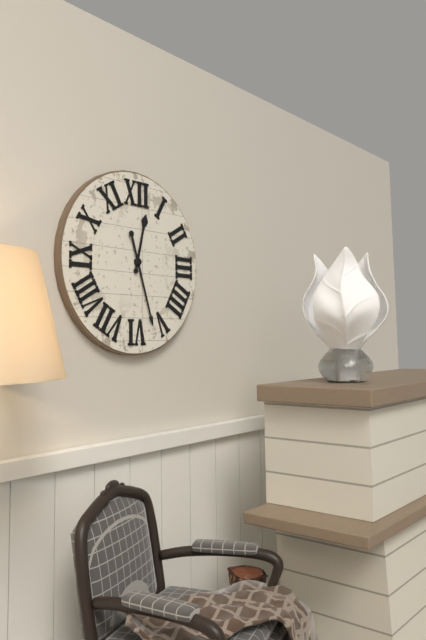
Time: **12:27**
